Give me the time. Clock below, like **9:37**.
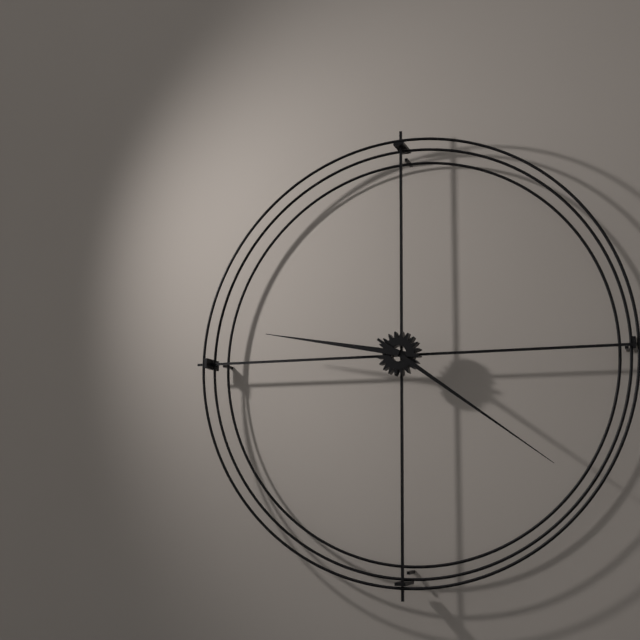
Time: **9:21**
